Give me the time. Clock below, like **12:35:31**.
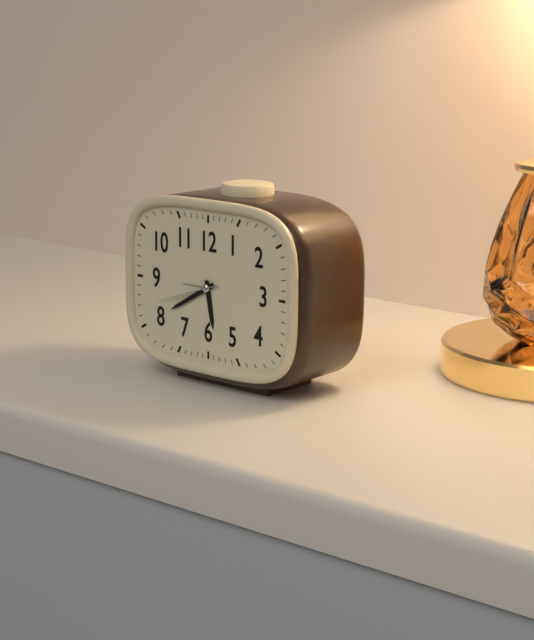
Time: **5:40:42**
